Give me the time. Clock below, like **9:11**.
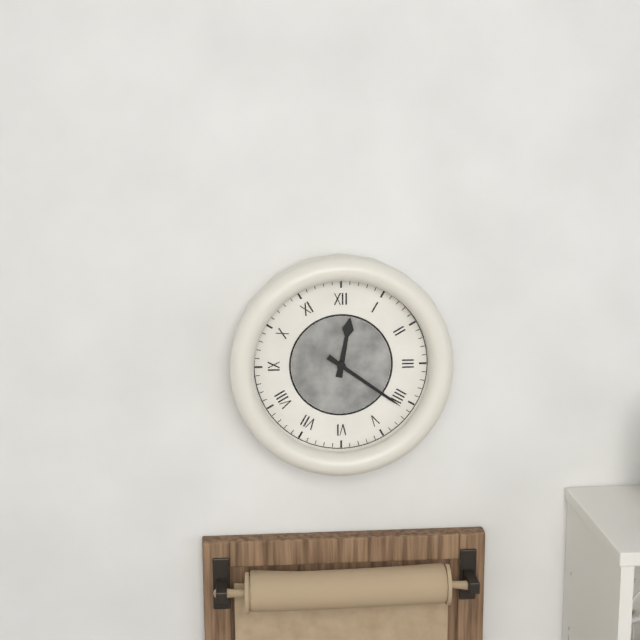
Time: **12:21**
